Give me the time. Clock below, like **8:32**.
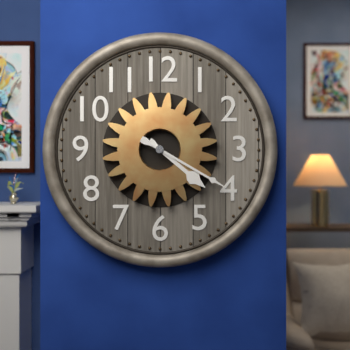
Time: **4:20**
